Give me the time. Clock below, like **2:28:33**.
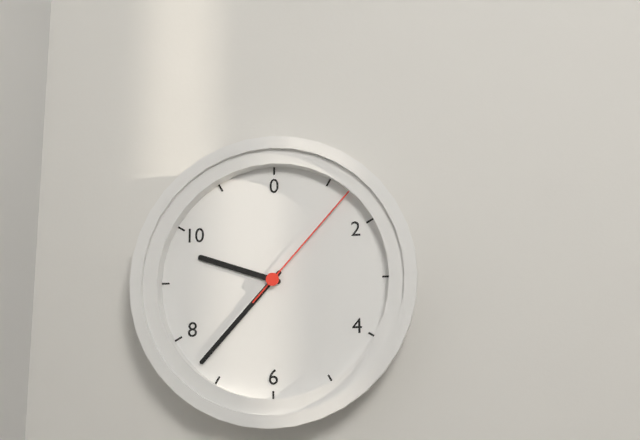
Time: **9:37:07**
